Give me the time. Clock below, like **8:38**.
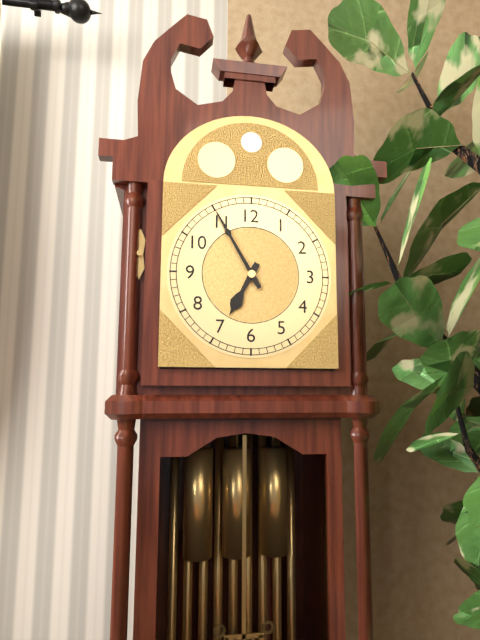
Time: **6:55**
